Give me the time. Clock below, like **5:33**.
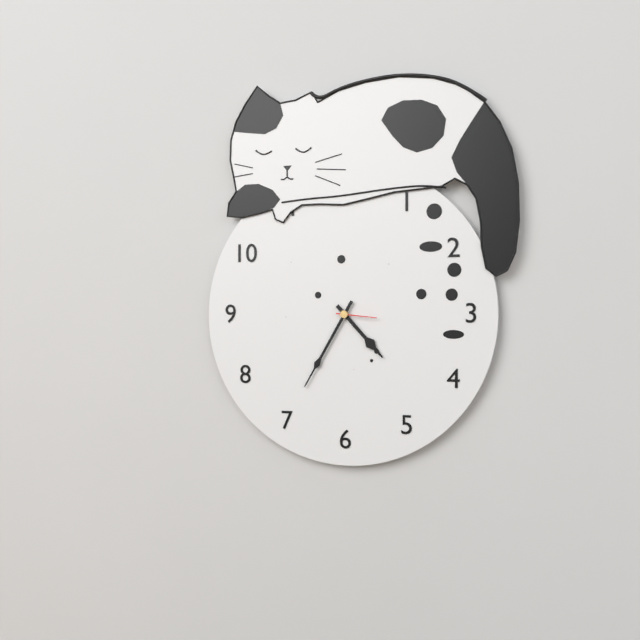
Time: **4:35**
